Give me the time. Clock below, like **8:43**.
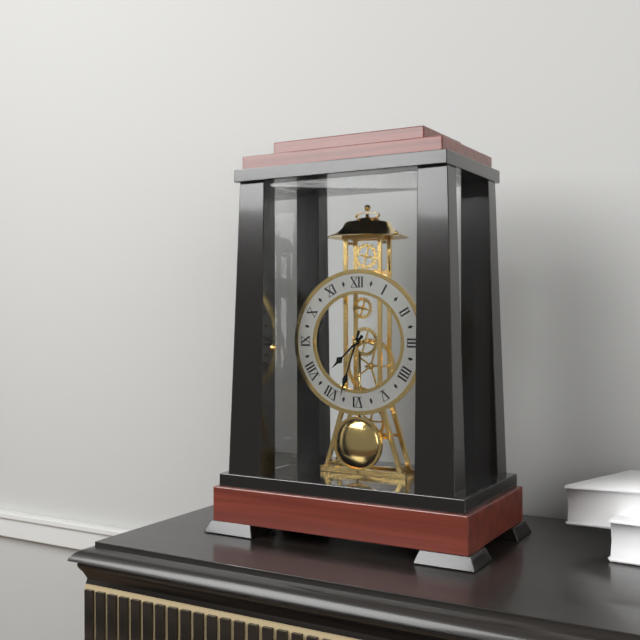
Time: **7:33**
